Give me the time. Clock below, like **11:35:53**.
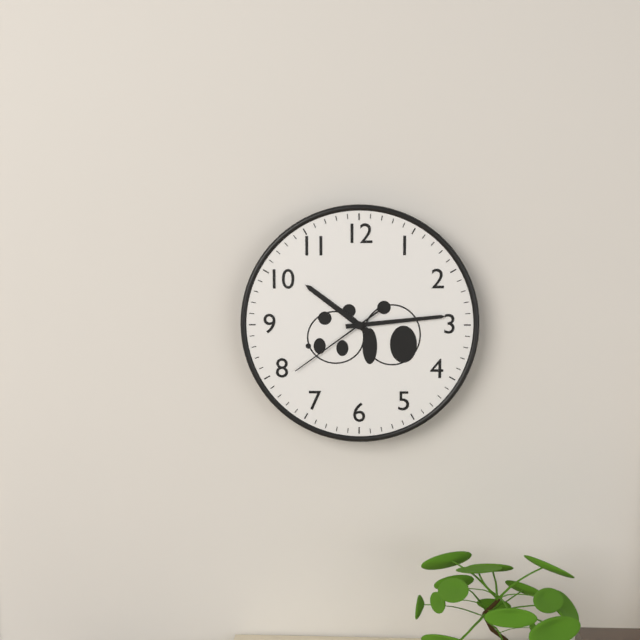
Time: **10:14:39**
